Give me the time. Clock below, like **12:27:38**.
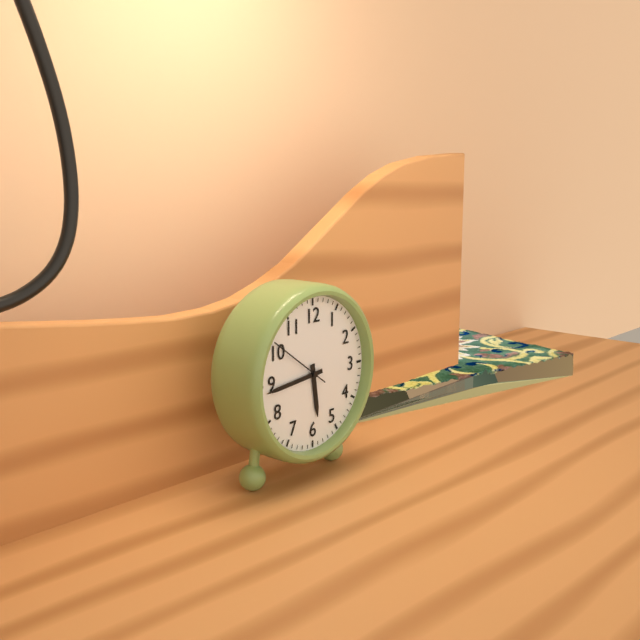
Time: **5:44:51**
